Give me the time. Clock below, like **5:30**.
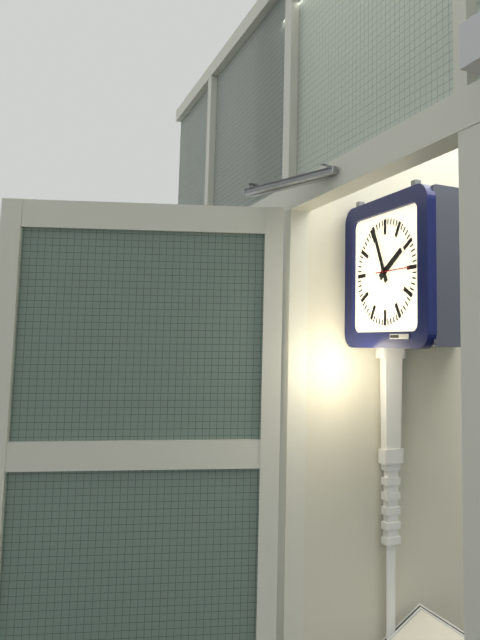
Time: **1:56**
